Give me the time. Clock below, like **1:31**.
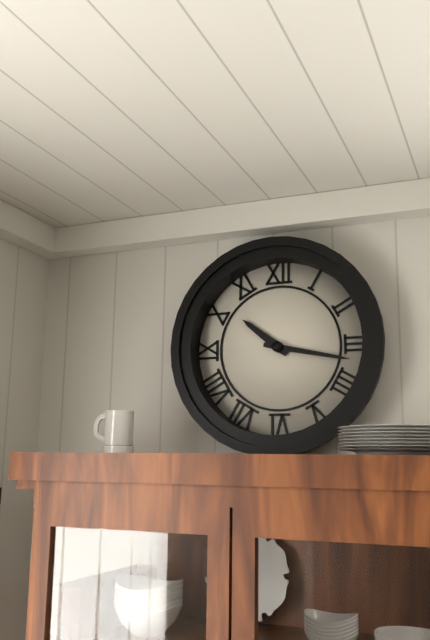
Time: **10:17**
